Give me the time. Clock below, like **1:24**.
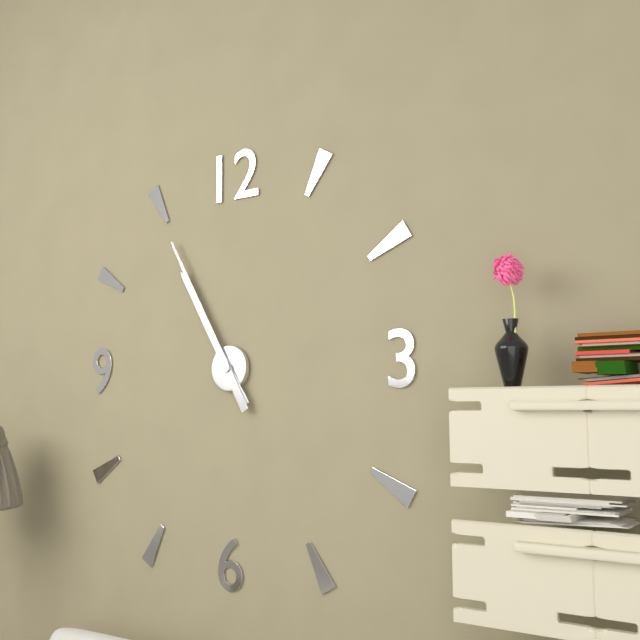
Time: **10:55**
